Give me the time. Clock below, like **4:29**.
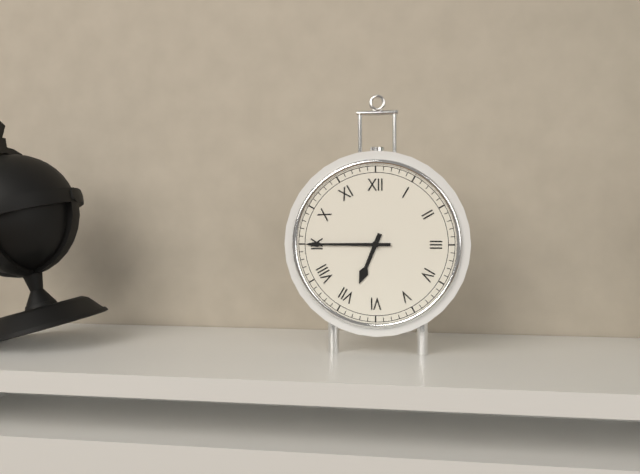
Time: **6:45**
